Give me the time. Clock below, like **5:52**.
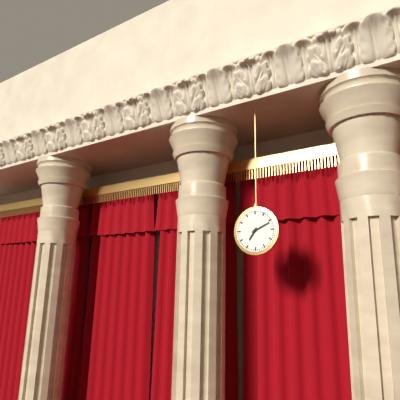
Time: **7:11**
